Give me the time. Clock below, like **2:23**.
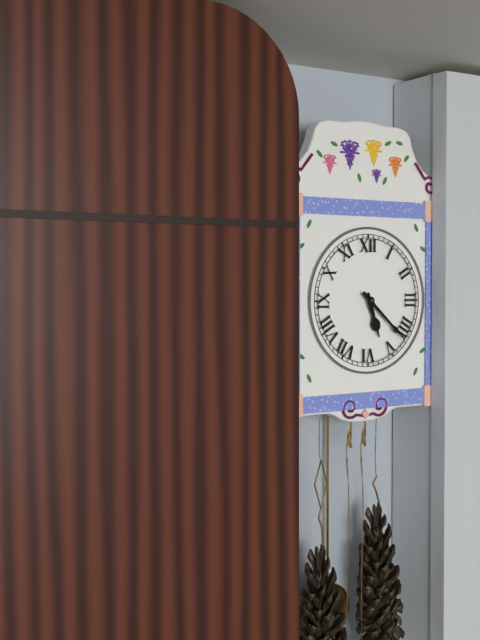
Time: **5:22**
